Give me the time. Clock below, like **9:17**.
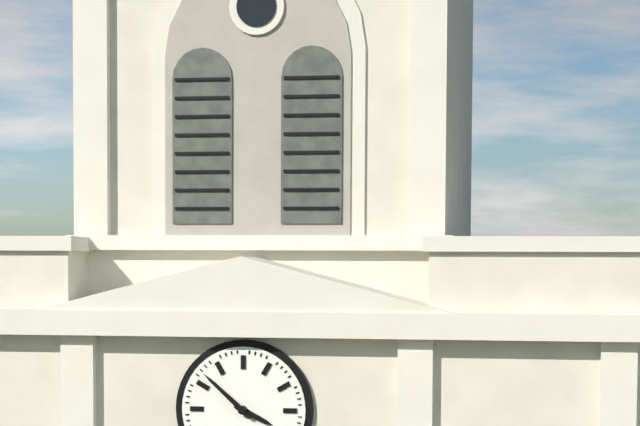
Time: **3:52**
